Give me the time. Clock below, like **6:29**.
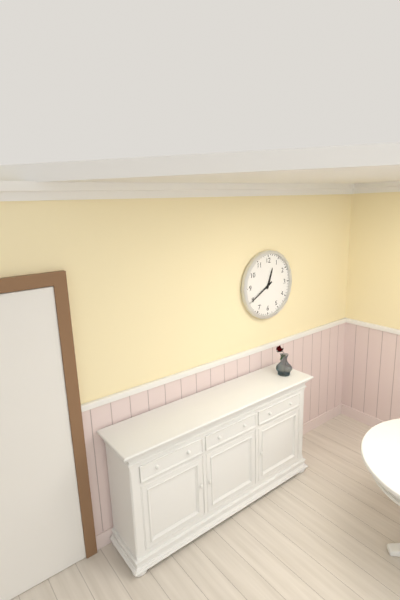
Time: **12:40**
